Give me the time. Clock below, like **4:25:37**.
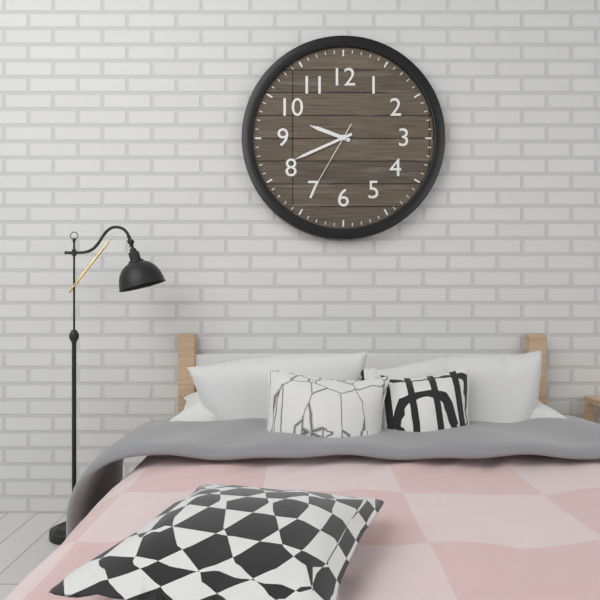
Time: **9:41:35**
